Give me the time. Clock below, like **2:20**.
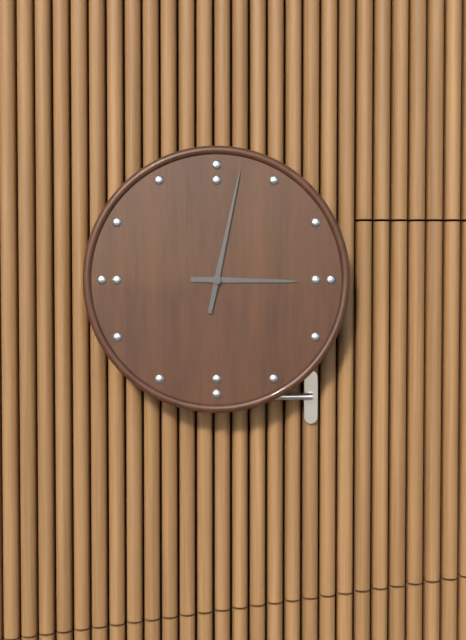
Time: **3:02**
